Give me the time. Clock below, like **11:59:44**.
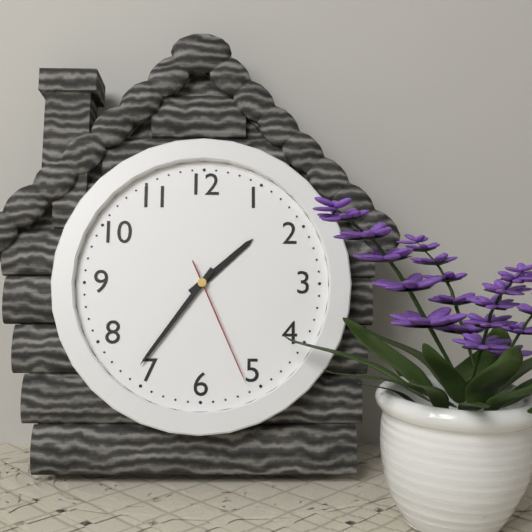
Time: **1:36:26**
